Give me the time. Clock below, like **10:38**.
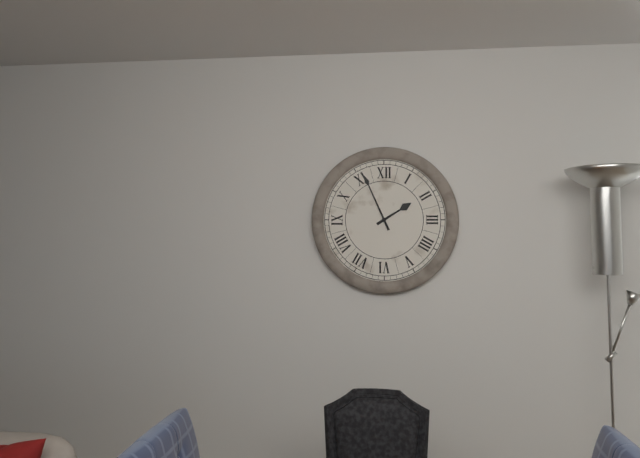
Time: **1:56**
